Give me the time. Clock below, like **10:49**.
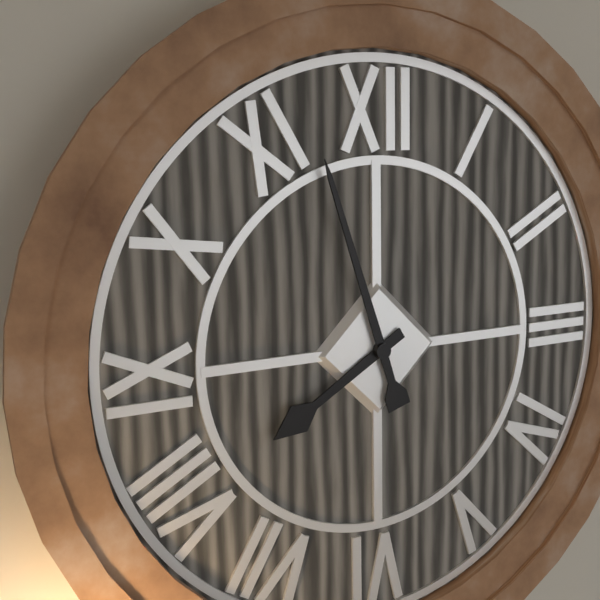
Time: **7:57**
